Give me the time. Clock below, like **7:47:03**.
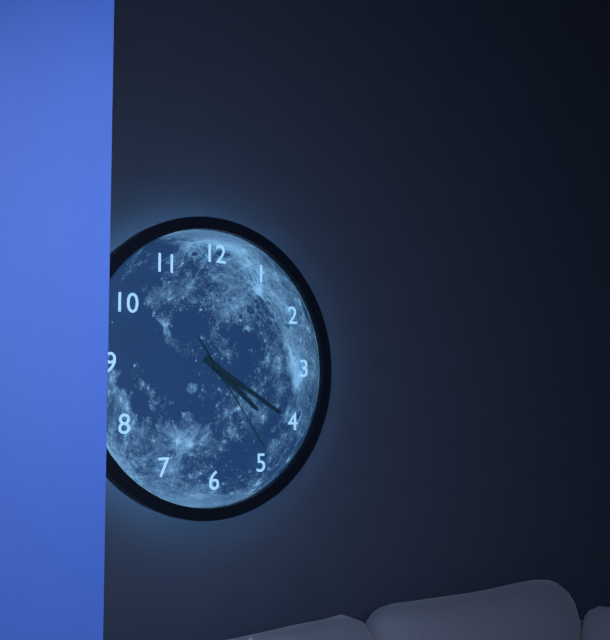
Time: **4:20:24**
